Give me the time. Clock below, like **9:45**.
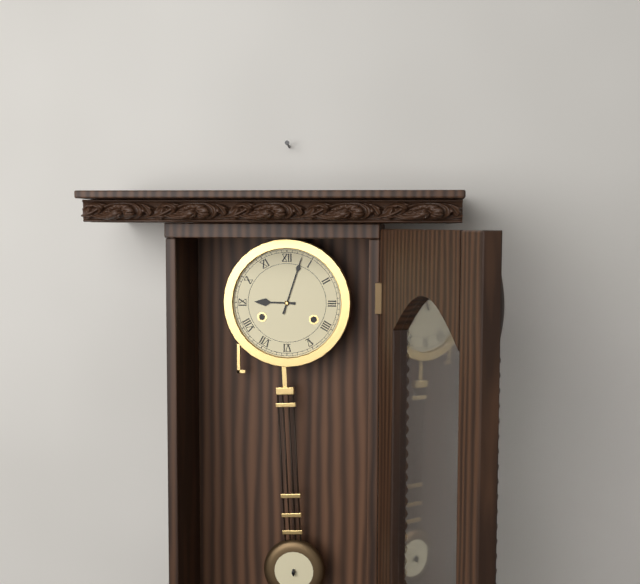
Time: **9:03**
